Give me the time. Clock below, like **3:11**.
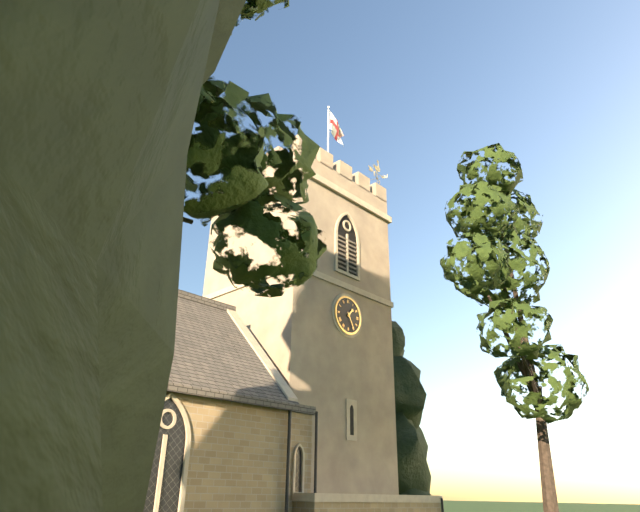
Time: **1:25**
